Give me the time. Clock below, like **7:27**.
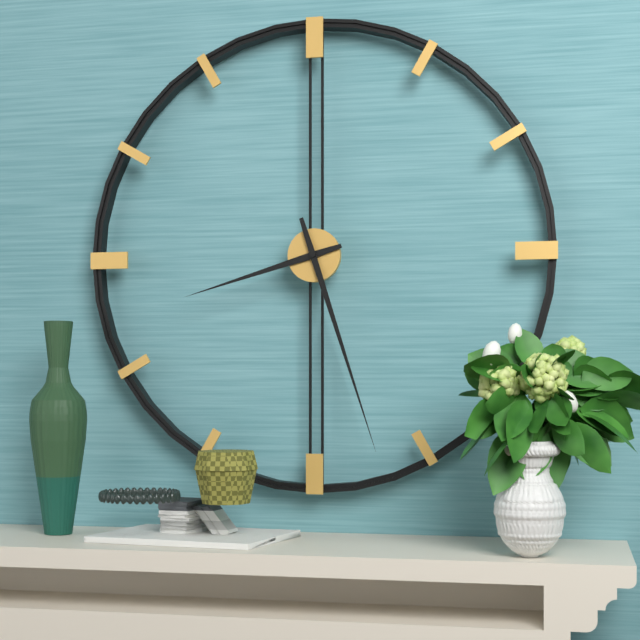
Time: **8:27**
